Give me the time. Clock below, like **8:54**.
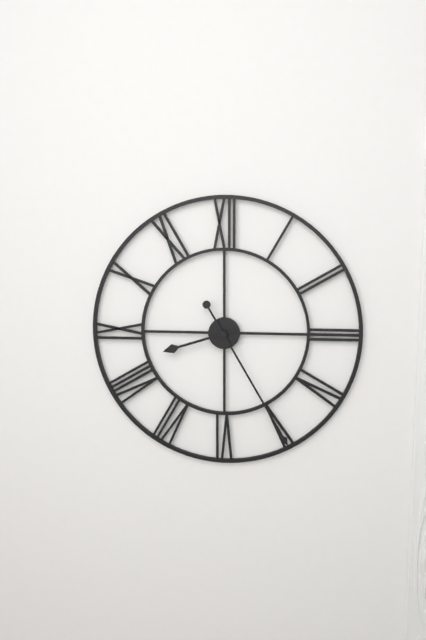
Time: **8:25**
